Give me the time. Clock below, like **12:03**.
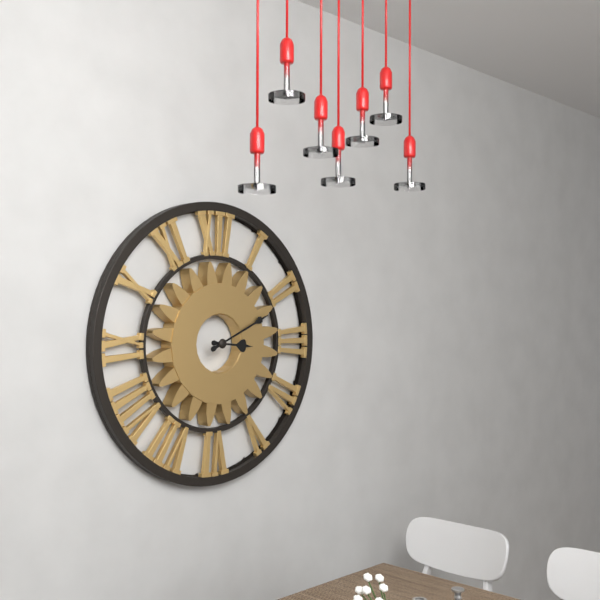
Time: **3:11**
